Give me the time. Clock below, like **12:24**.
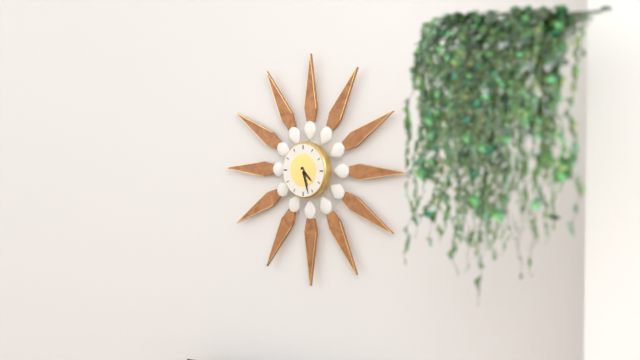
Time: **4:27**
